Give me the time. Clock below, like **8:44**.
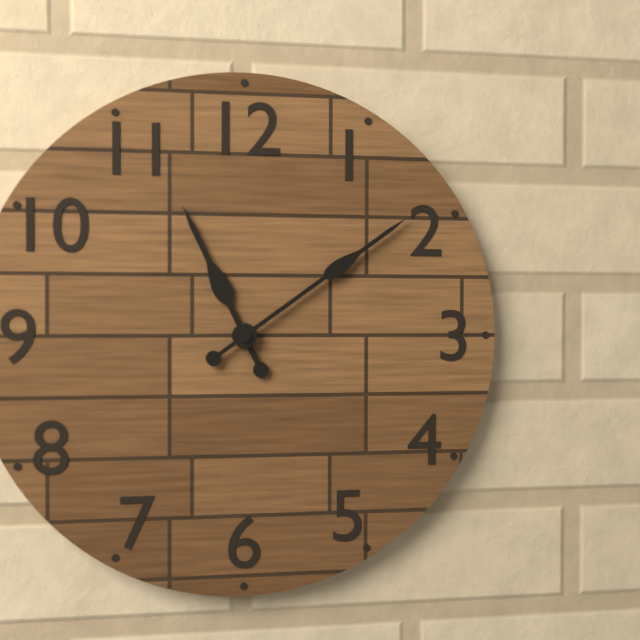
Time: **11:09**
